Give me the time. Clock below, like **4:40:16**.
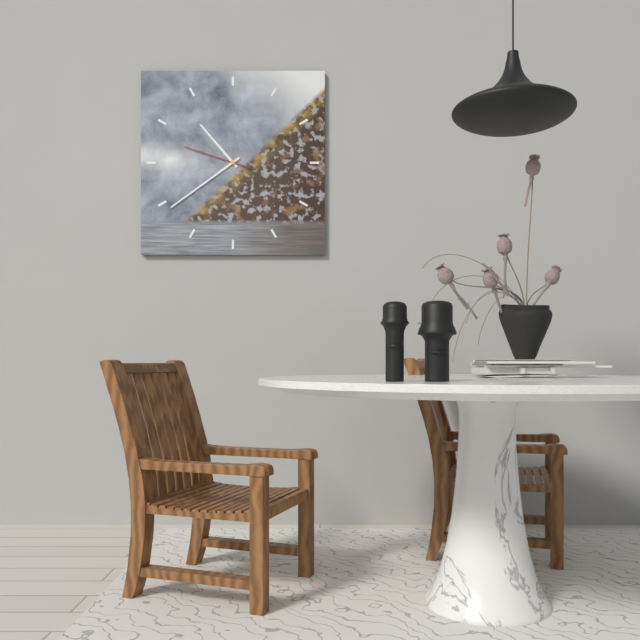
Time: **10:39:48**
